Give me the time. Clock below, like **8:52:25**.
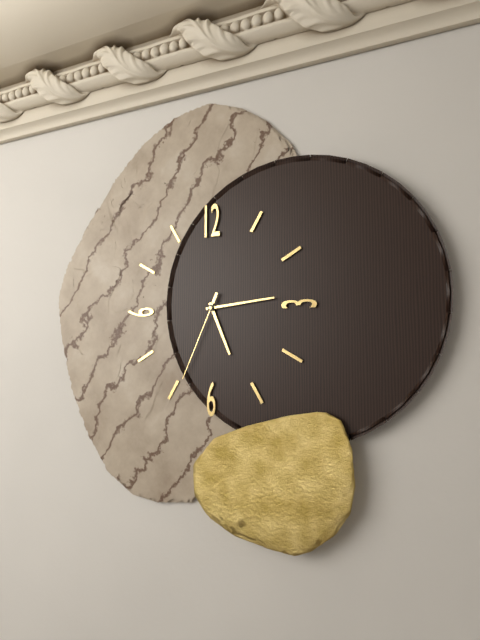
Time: **5:14:34**
